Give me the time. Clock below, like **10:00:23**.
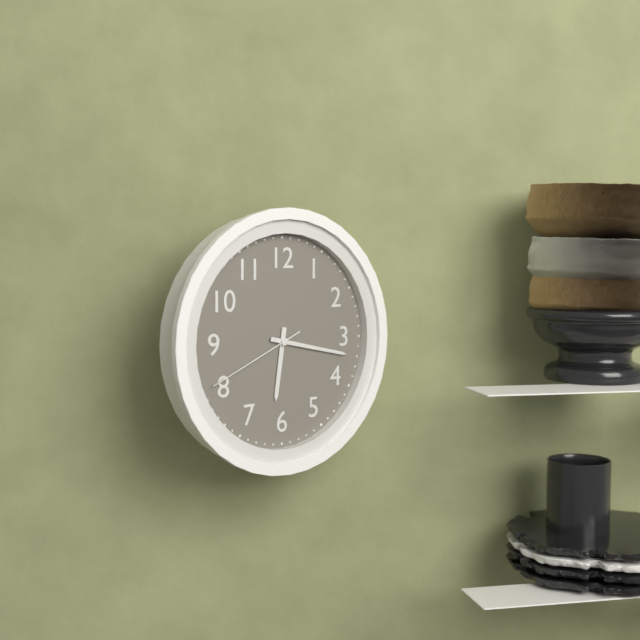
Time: **6:17:41**
